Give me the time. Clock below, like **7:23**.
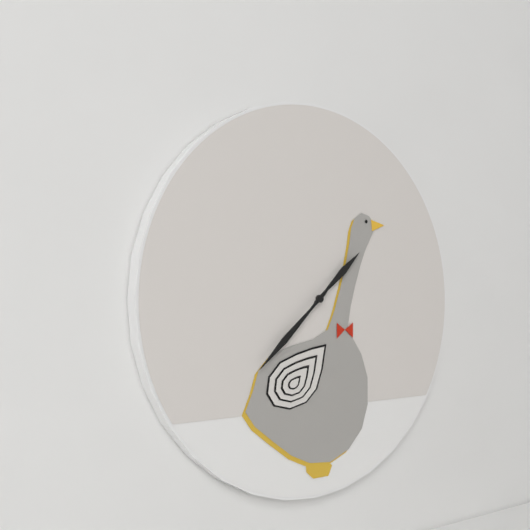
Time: **1:38**
